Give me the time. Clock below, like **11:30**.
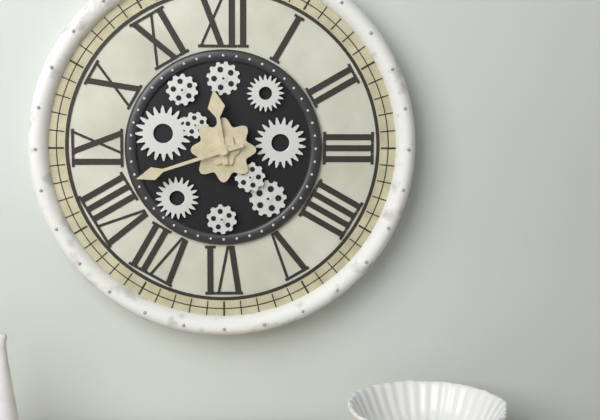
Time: **11:42**
